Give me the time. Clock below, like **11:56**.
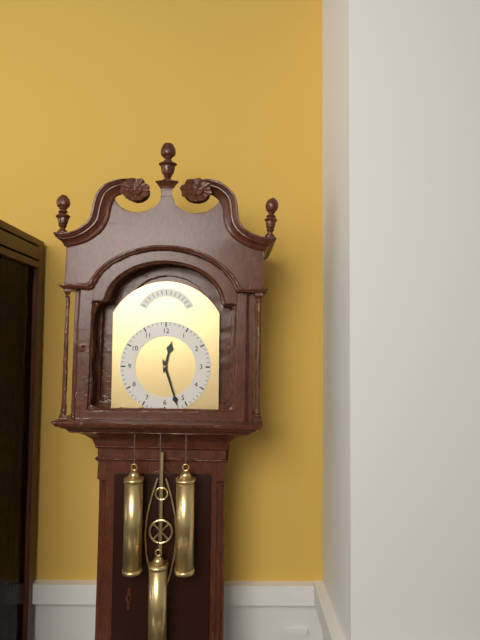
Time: **12:27**
